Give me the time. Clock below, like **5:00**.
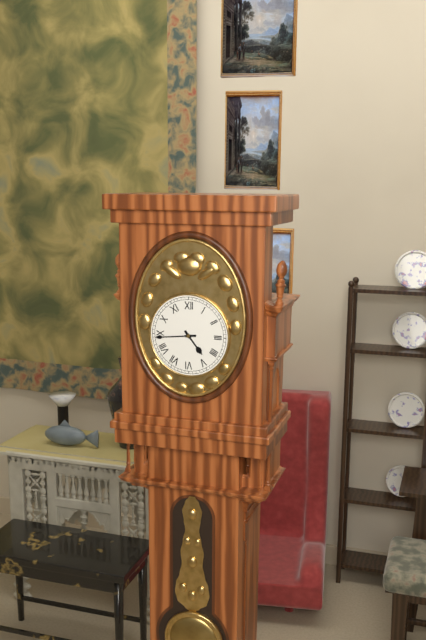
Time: **4:44**
